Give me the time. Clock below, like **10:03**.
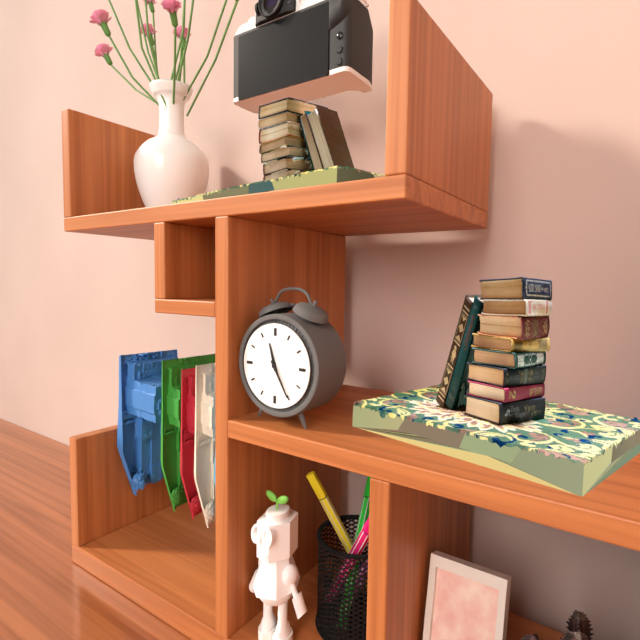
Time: **11:25**
